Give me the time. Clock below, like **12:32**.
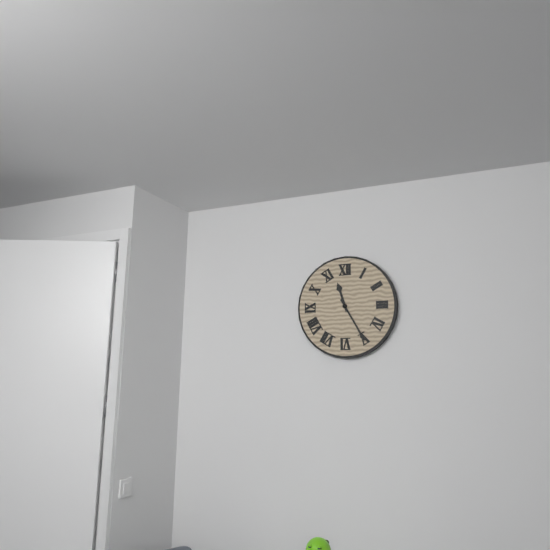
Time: **11:25**
